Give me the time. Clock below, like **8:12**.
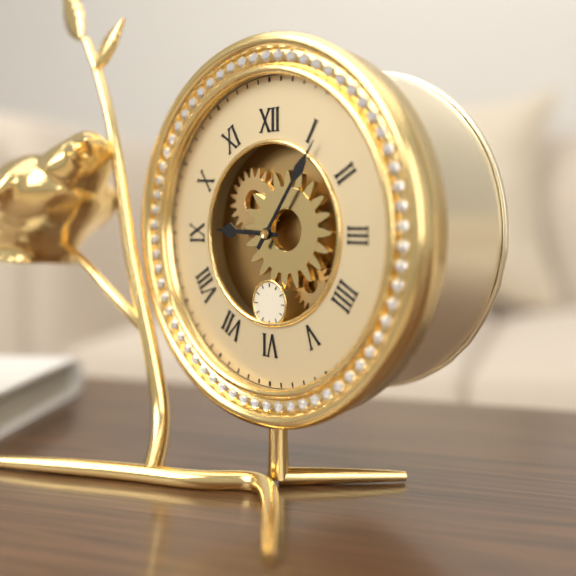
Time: **9:06**
